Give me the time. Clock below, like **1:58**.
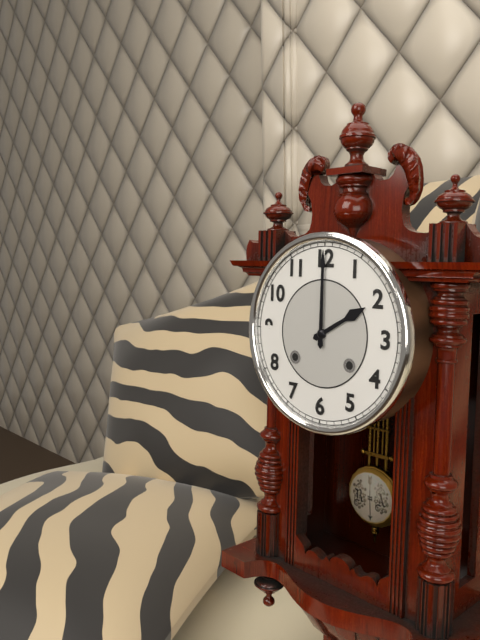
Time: **2:00**
